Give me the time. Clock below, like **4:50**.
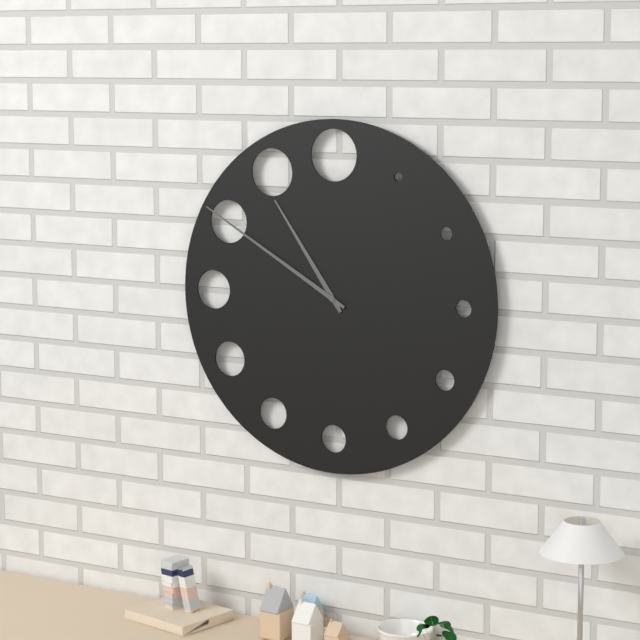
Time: **10:50**
